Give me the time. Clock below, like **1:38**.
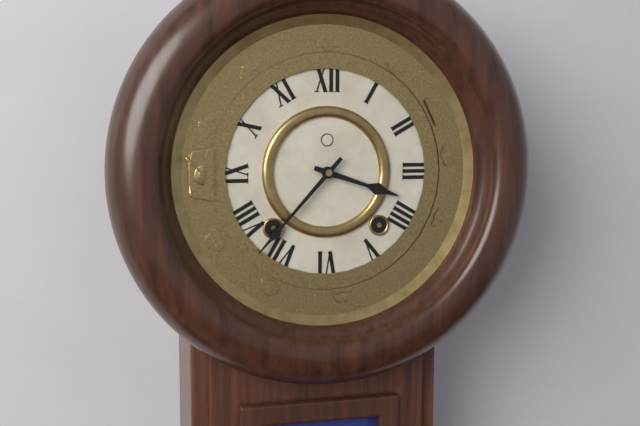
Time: **3:37**
